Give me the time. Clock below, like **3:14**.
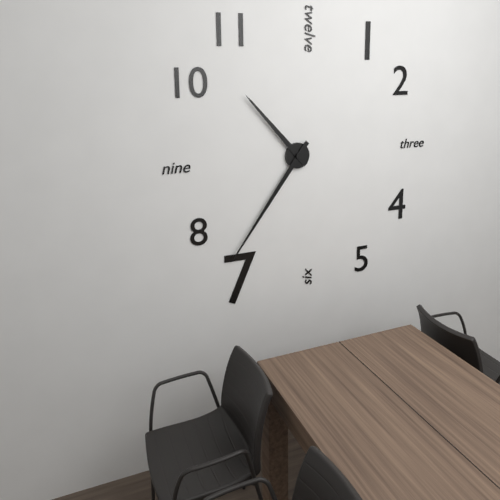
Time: **10:36**
